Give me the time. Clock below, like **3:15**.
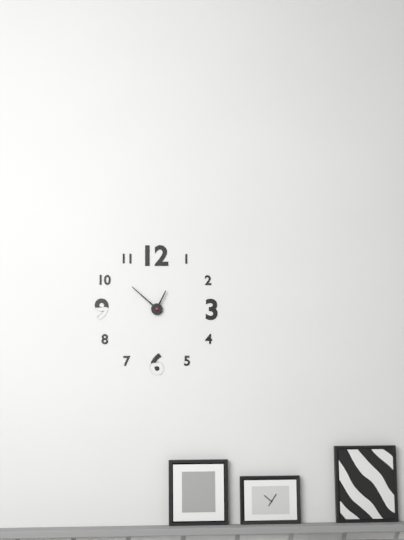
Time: **12:52**
